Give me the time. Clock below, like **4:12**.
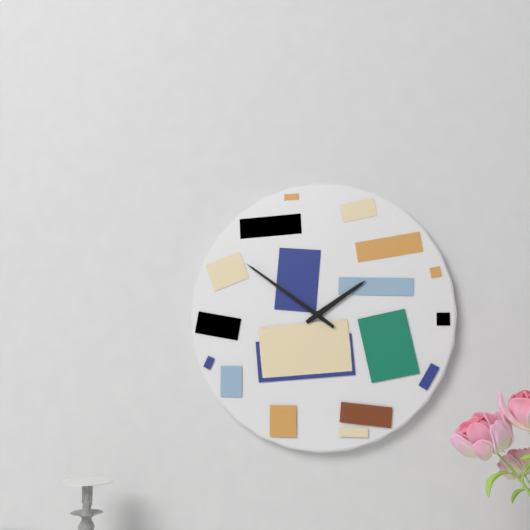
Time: **1:51**
